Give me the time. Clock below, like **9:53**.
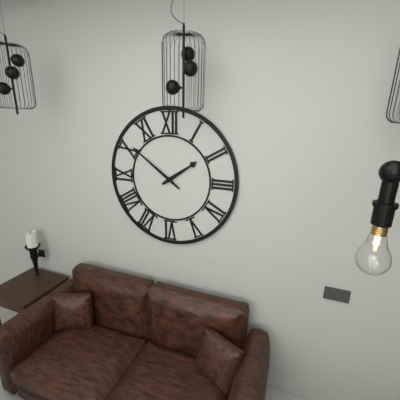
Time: **1:51**
